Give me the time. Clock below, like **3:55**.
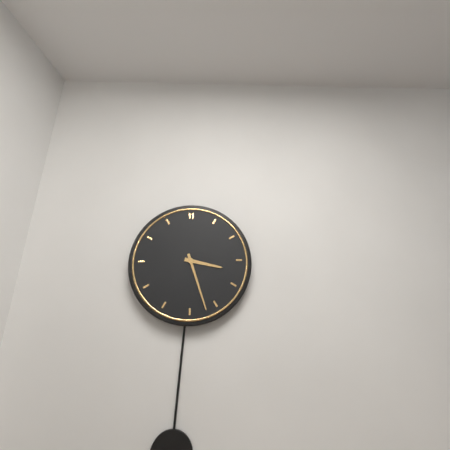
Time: **3:27**
